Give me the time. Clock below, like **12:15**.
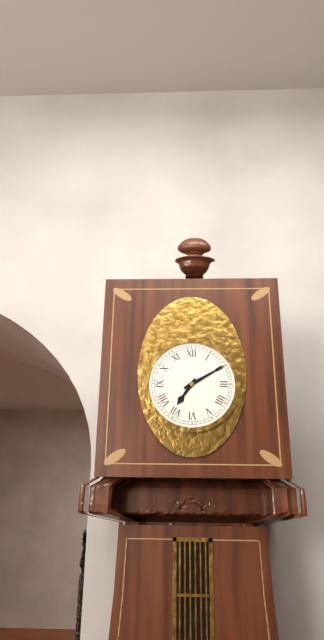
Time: **7:10**
